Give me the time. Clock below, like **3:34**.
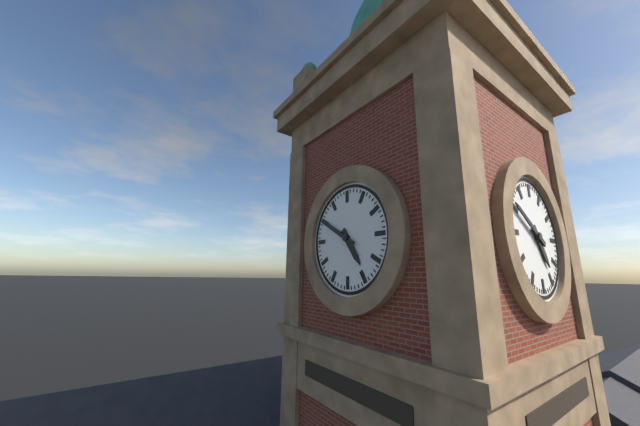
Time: **4:50**
